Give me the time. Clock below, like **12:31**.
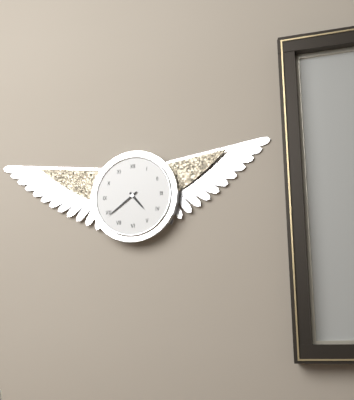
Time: **4:39**
